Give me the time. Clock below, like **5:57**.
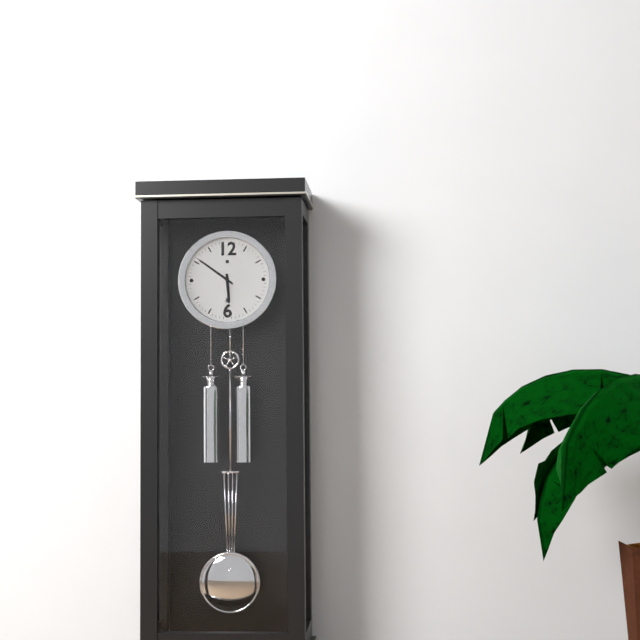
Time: **5:51**
